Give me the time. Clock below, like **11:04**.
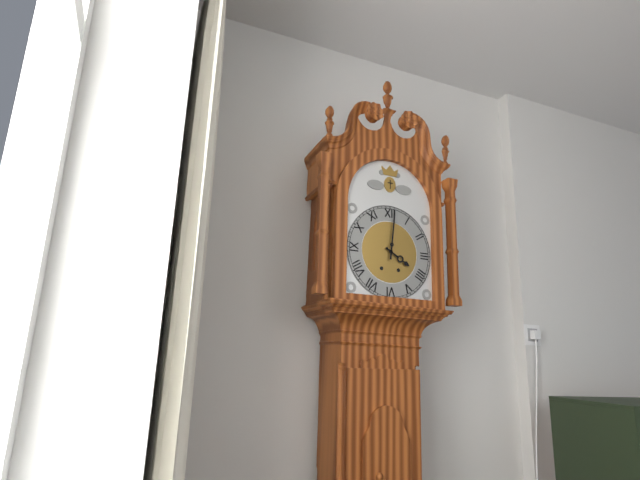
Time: **4:01**
